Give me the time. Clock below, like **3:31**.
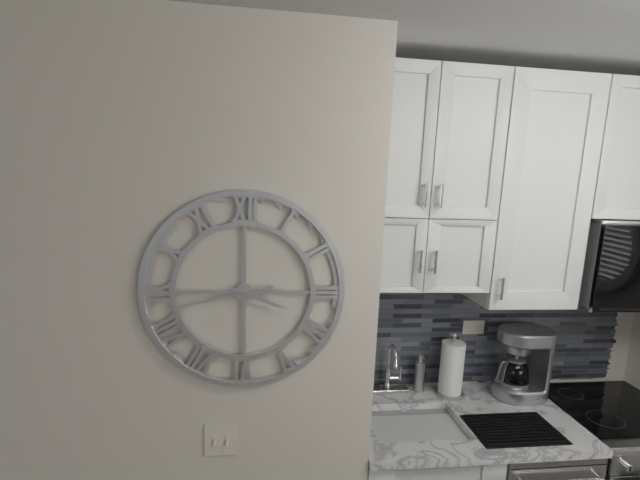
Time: **3:43**
